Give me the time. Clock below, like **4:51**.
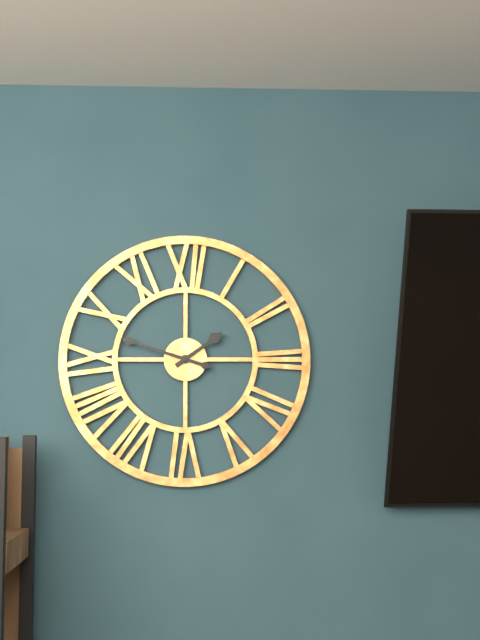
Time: **1:48**
